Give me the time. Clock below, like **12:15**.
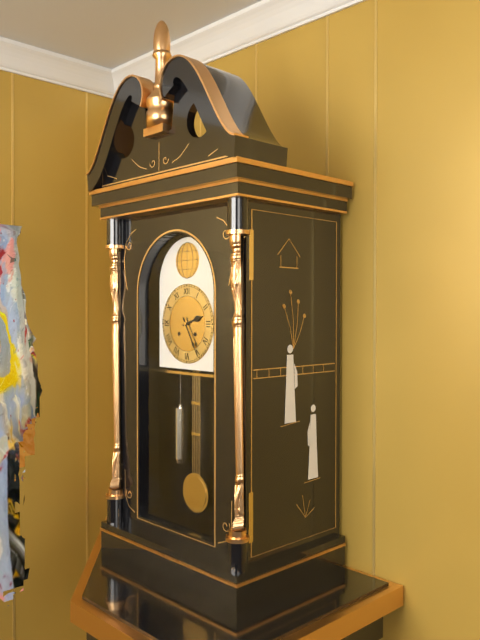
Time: **2:25**
